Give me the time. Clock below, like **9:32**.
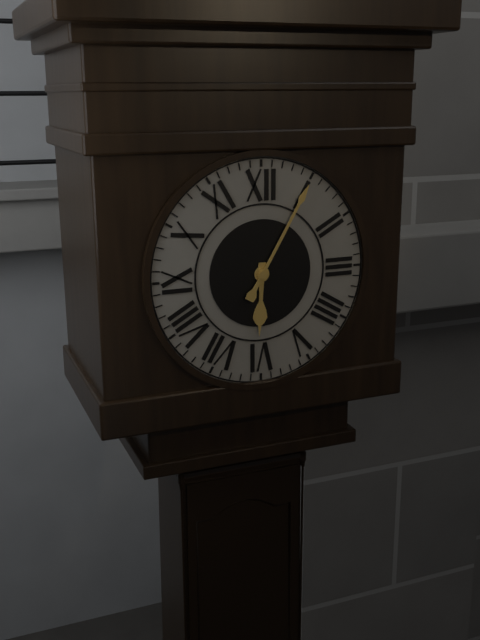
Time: **6:05**
